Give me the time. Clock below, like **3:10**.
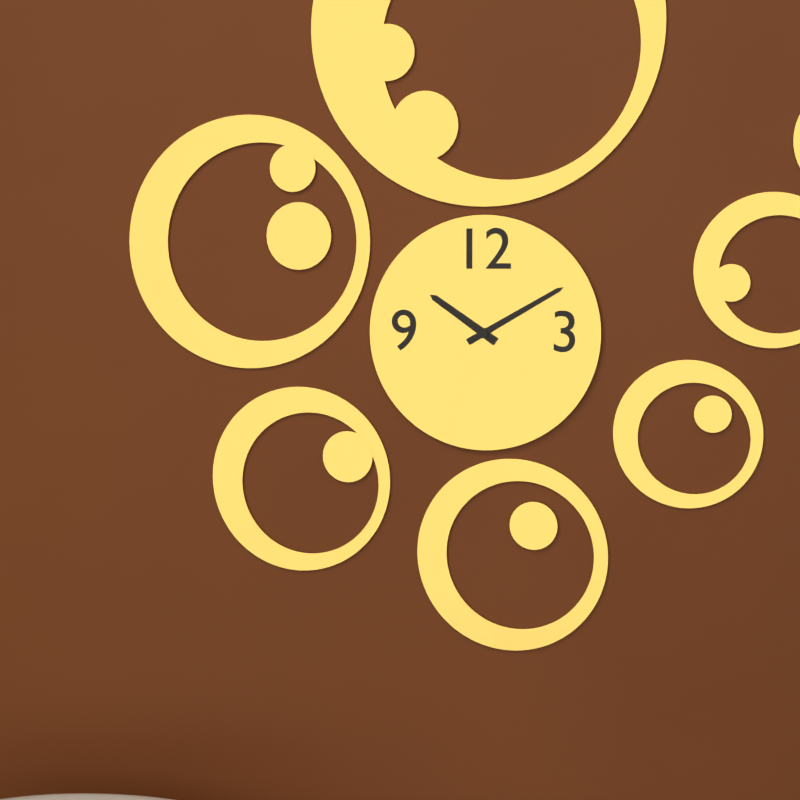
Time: **10:10**
